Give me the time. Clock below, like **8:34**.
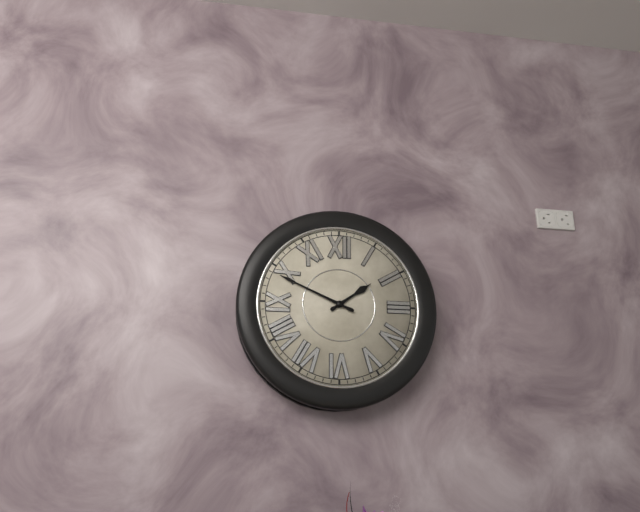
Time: **1:49**
